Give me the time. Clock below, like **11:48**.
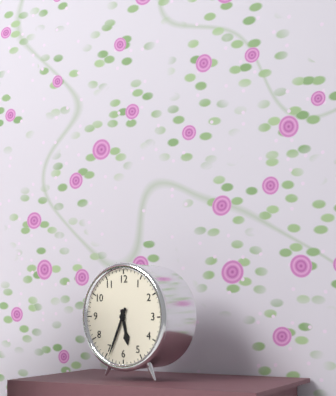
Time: **5:34**
